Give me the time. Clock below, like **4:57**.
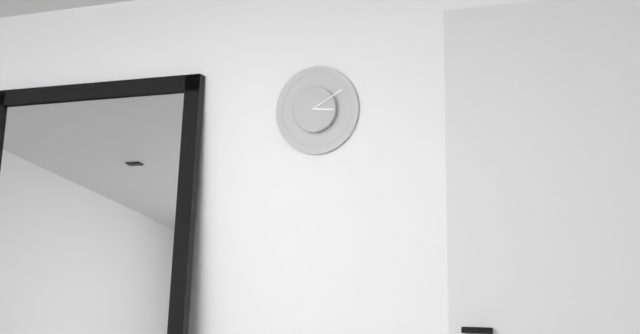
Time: **3:10**
